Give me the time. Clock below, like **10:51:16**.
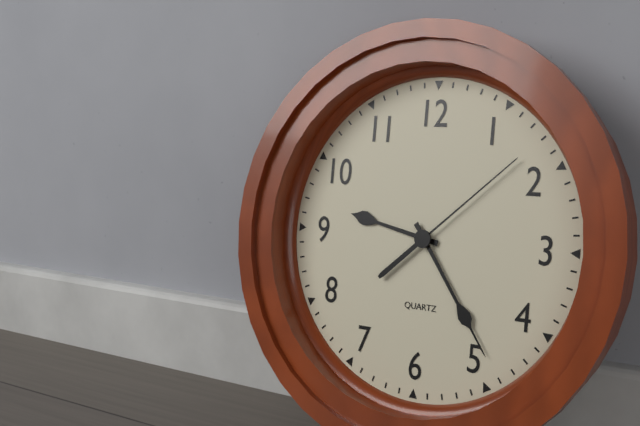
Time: **9:24:08**
